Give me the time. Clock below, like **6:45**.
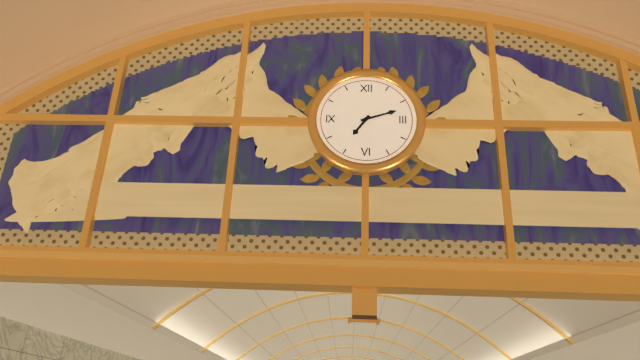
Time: **7:12**
